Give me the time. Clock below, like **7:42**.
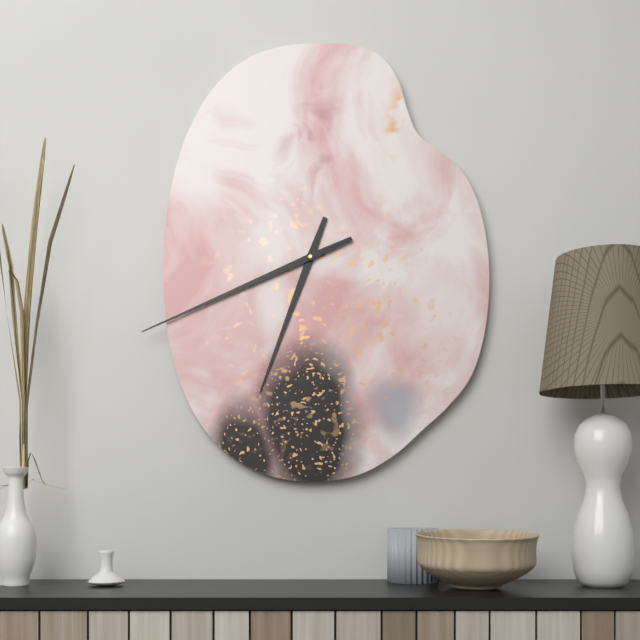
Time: **6:41**
